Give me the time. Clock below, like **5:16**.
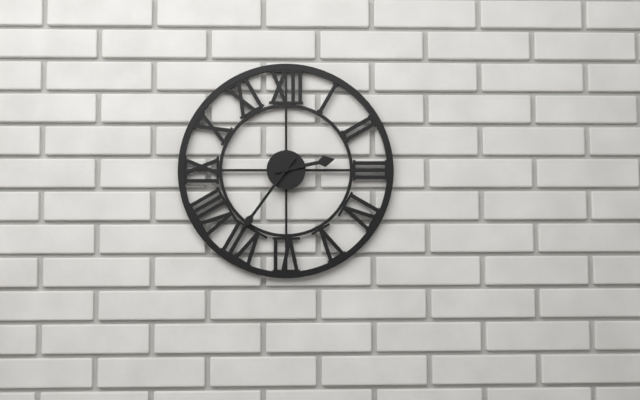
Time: **2:36**
